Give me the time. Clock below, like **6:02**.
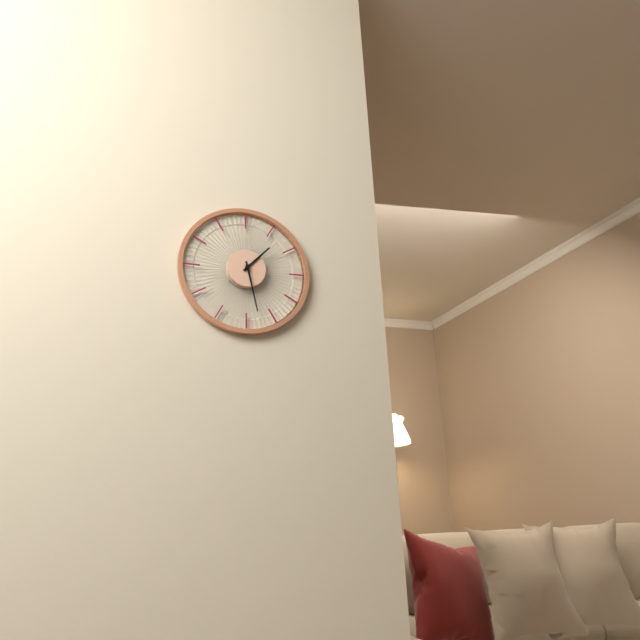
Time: **1:28**
